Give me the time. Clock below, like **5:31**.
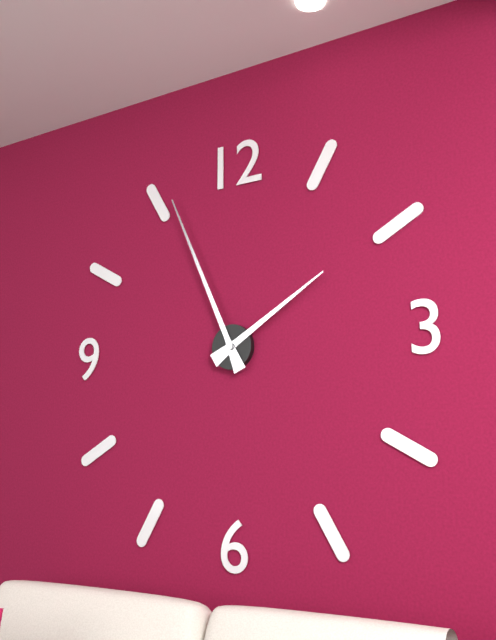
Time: **1:56**
